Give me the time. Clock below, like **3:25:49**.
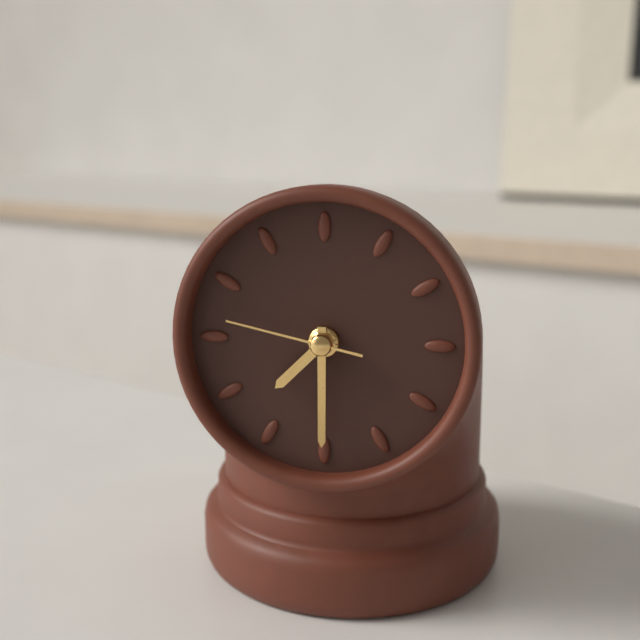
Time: **7:30:47**
